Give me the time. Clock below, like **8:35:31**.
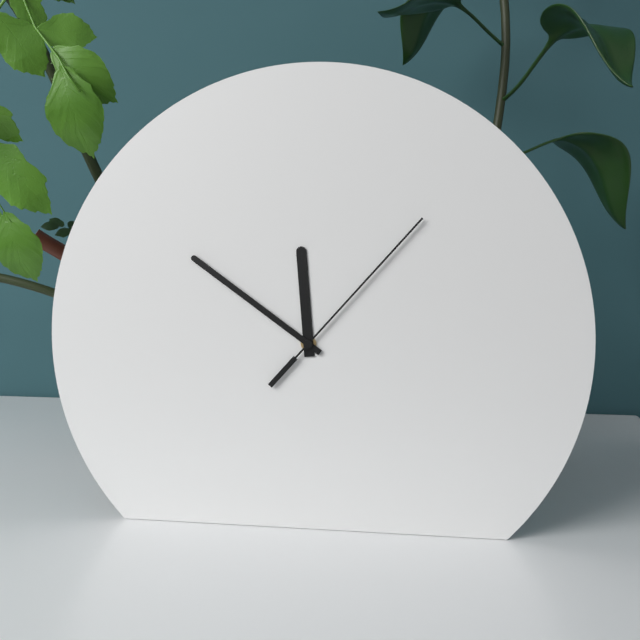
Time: **11:51:07**
